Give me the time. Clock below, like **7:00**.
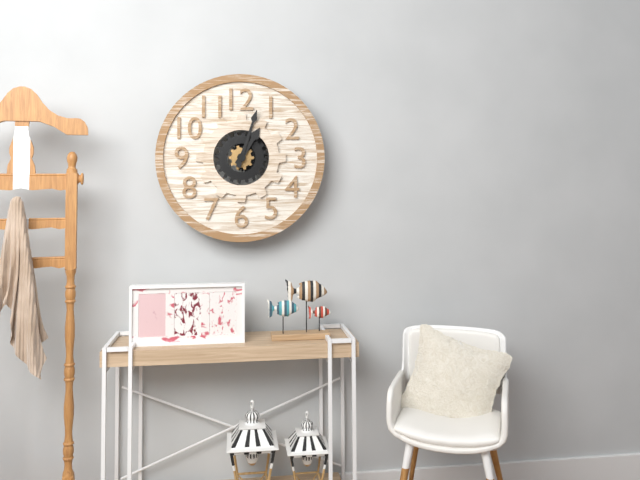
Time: **1:03**
